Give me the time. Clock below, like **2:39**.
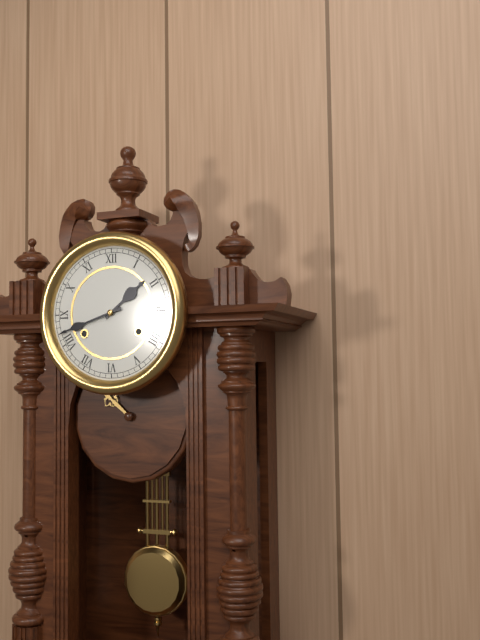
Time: **1:42**
